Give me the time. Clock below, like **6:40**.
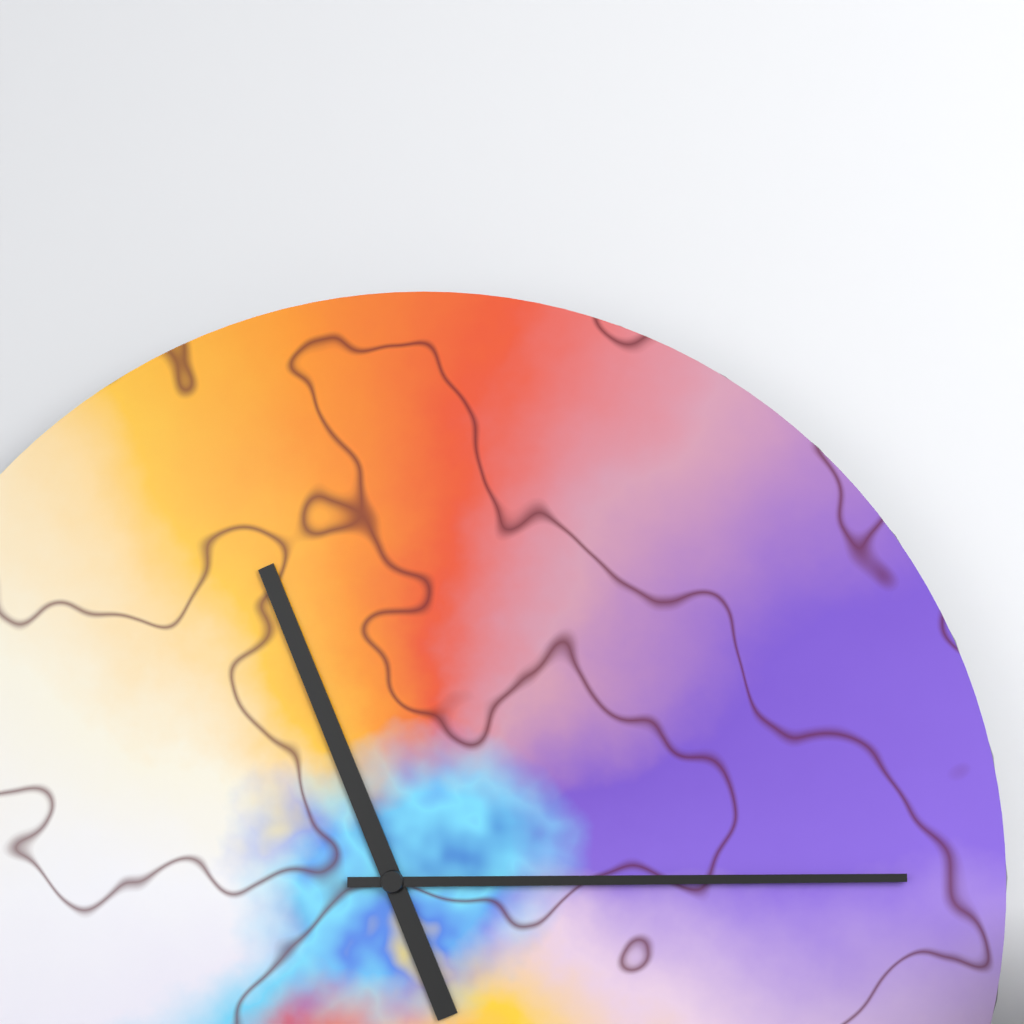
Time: **11:15**
